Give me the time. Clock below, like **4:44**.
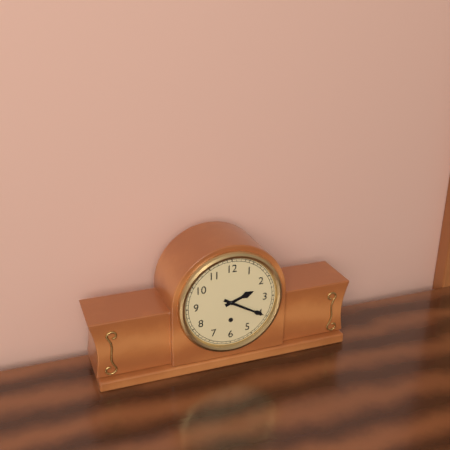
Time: **2:20**
